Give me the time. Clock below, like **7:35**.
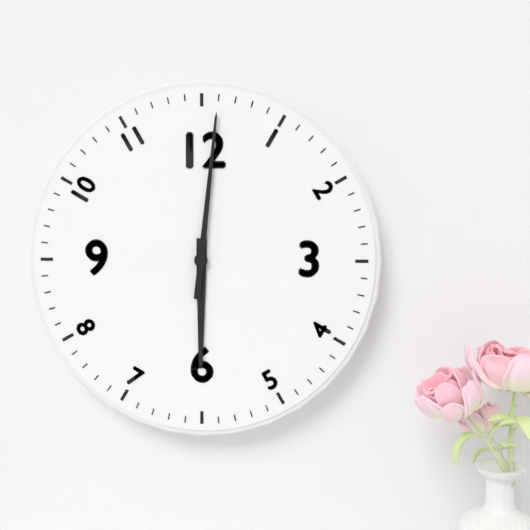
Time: **6:01**
